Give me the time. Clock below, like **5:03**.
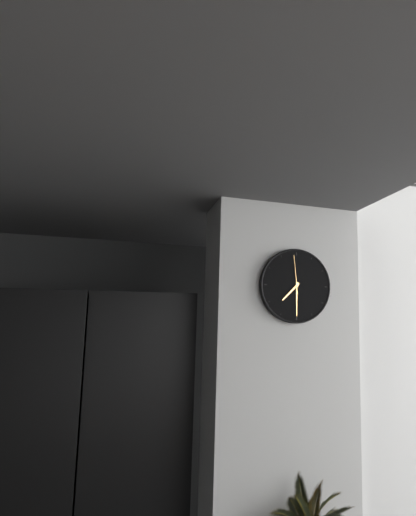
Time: **7:30**
